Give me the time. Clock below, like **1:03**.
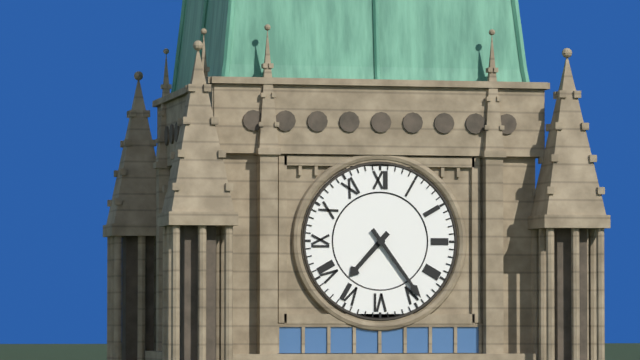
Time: **7:24**
